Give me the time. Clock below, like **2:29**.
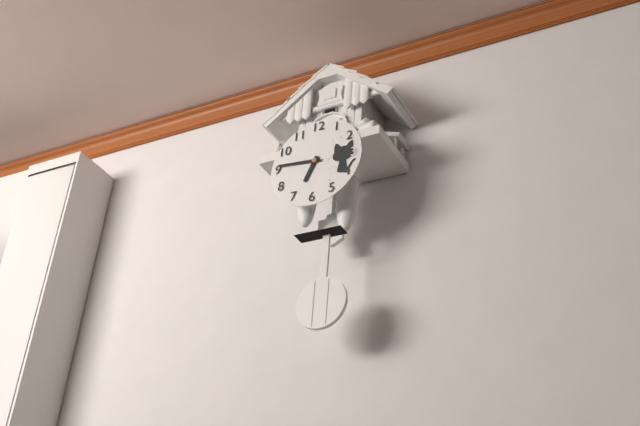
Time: **6:46**
